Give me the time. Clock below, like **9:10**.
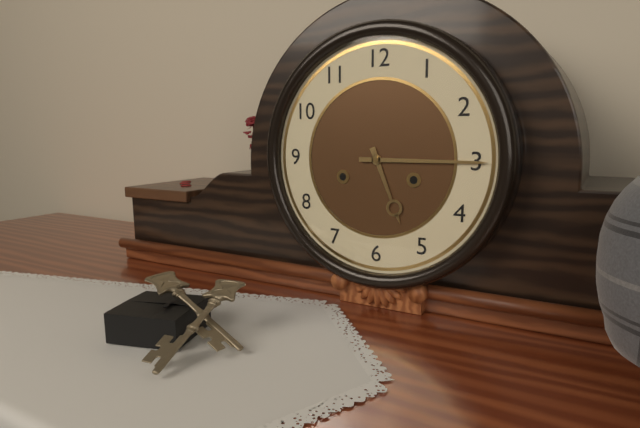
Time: **5:15**
